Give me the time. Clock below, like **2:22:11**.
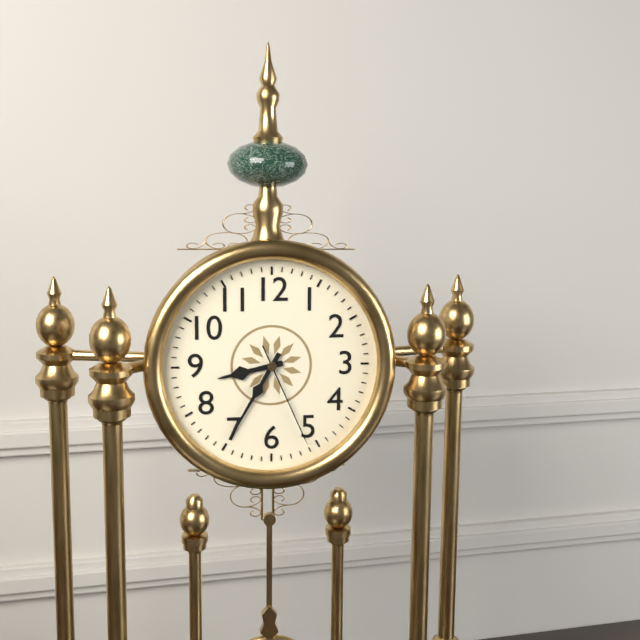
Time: **8:35:26**
